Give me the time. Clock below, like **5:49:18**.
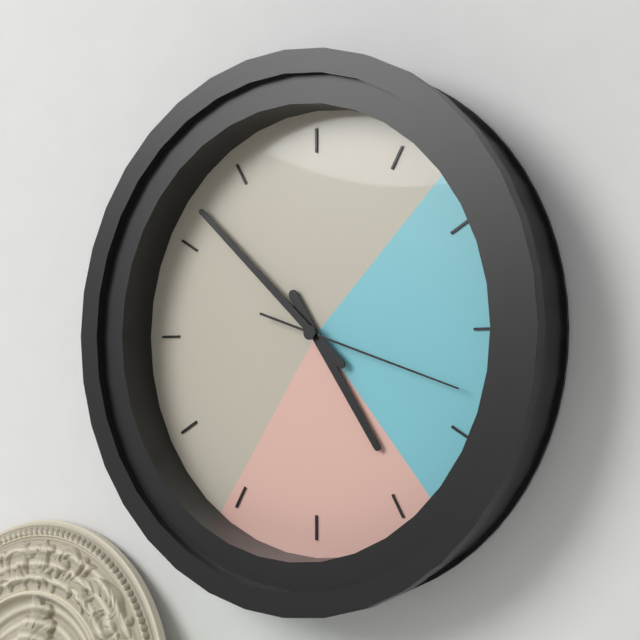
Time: **4:52:18**
